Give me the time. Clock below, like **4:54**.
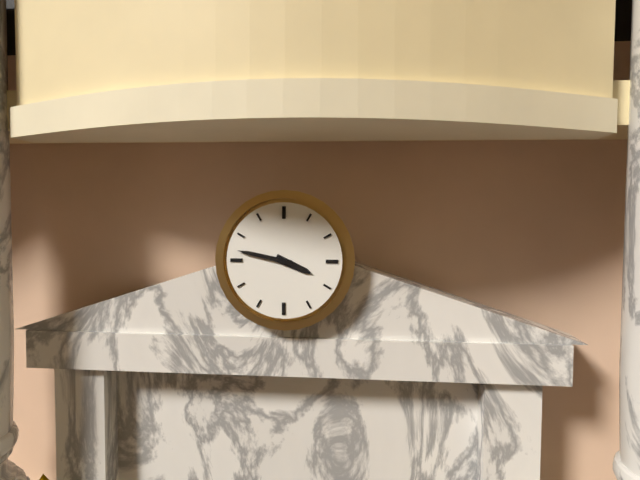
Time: **3:47**
